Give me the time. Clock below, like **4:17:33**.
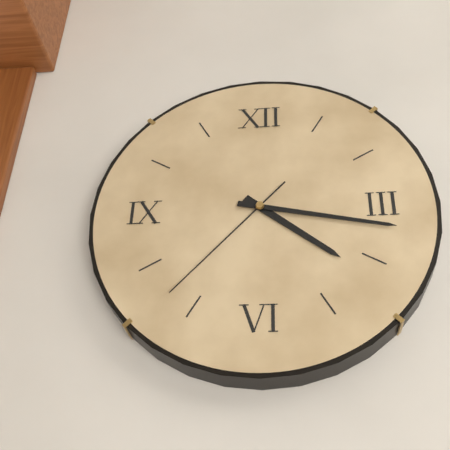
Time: **4:17:37**
